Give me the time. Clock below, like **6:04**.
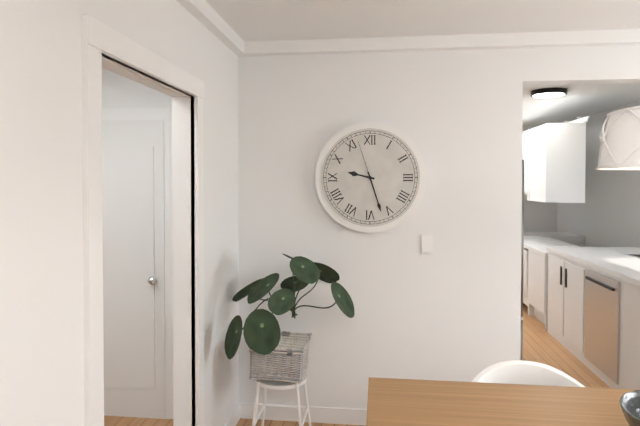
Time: **9:27**
